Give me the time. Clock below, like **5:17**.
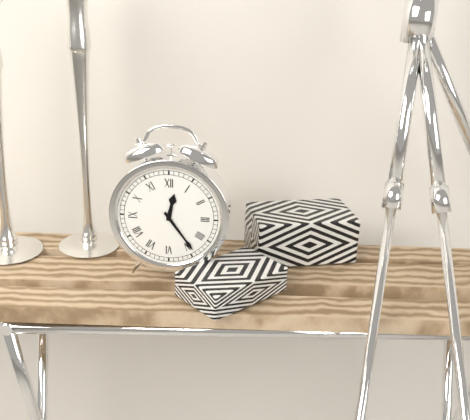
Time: **12:24**
